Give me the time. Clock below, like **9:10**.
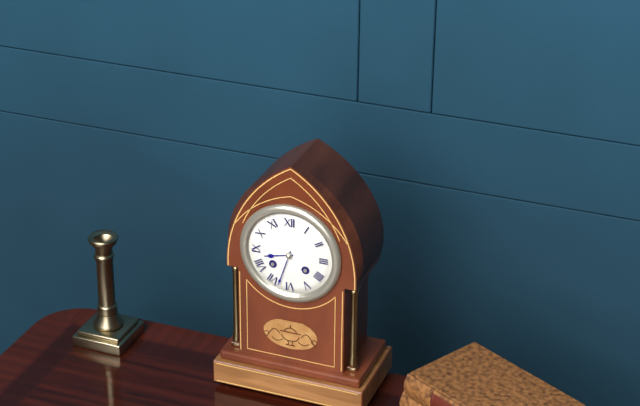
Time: **8:33**
